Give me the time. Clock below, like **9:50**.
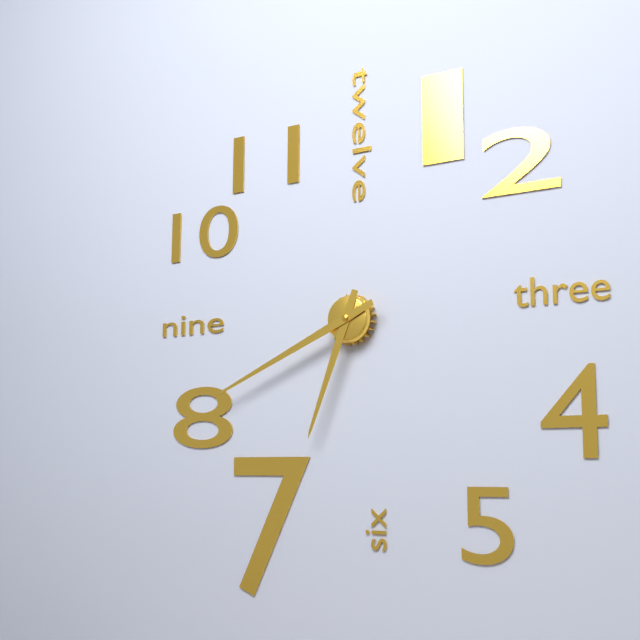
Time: **6:41**
